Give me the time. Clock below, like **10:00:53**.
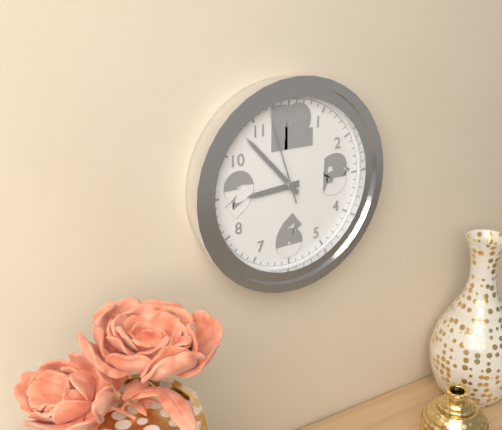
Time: **8:53:57**
